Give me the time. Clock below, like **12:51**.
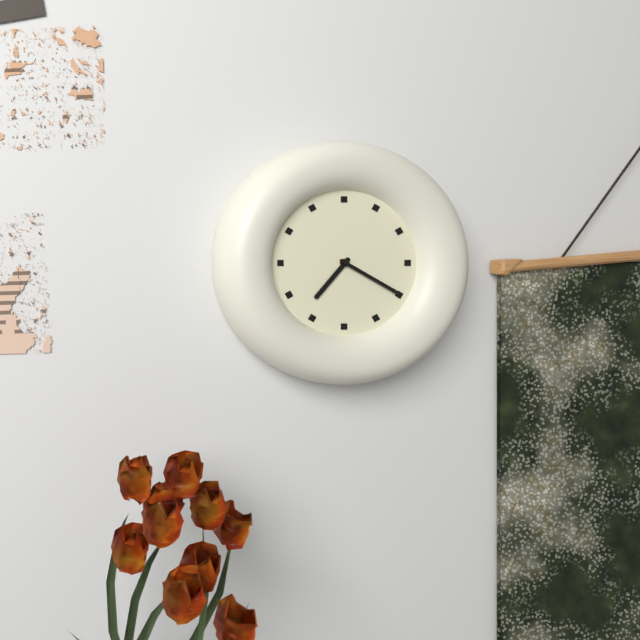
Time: **7:20**
